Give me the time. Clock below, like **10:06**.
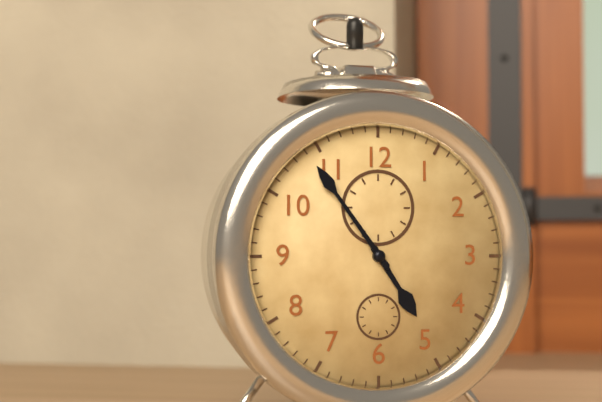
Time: **4:54**
